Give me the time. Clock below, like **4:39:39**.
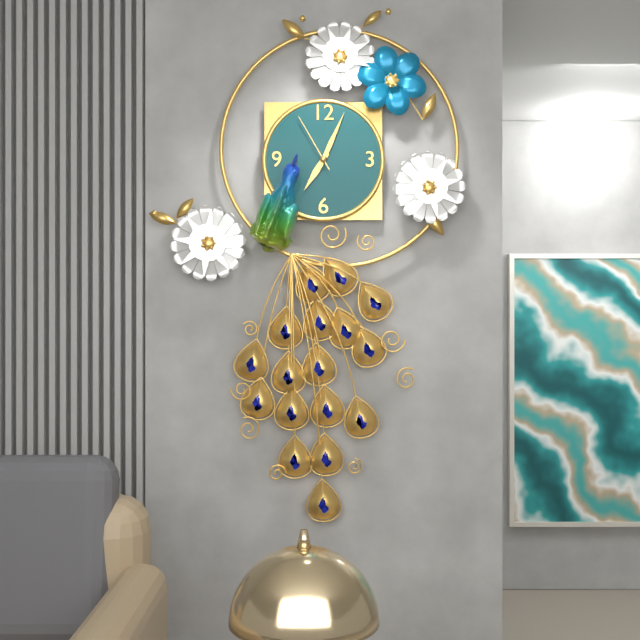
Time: **7:04:55**
